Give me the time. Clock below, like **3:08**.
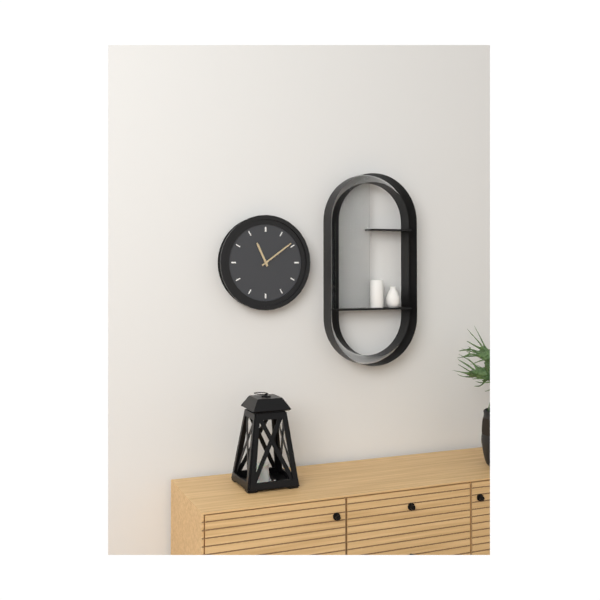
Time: **11:09**
